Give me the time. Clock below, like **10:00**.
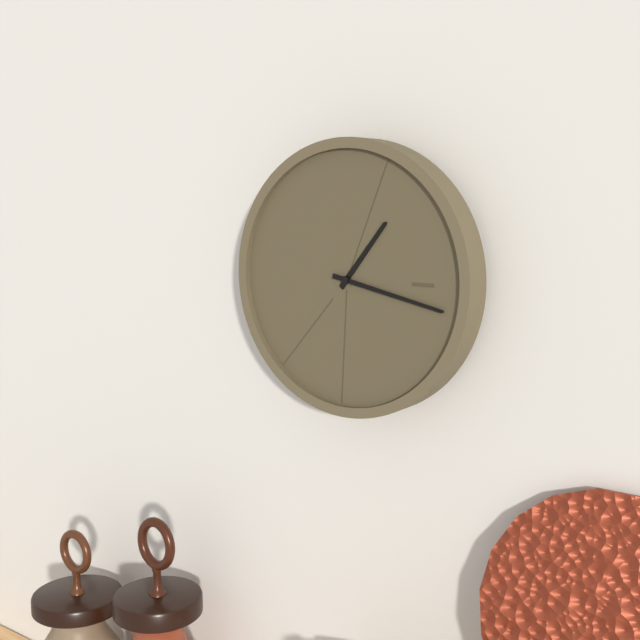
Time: **1:17**
